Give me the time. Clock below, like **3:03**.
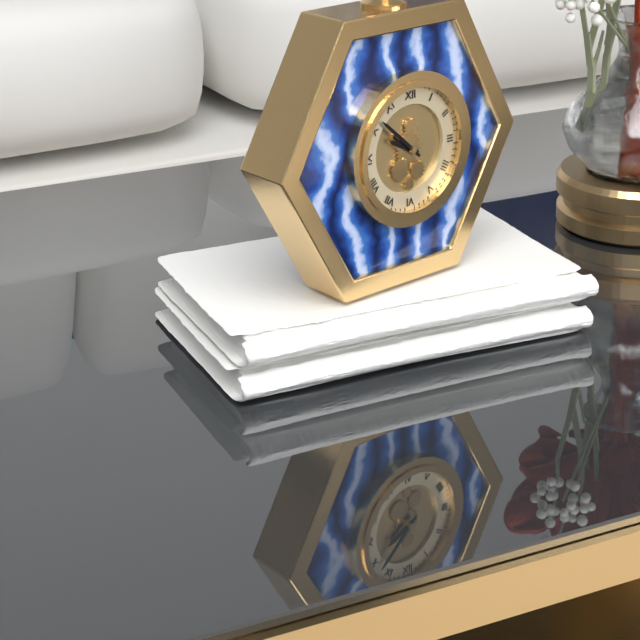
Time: **9:52**
